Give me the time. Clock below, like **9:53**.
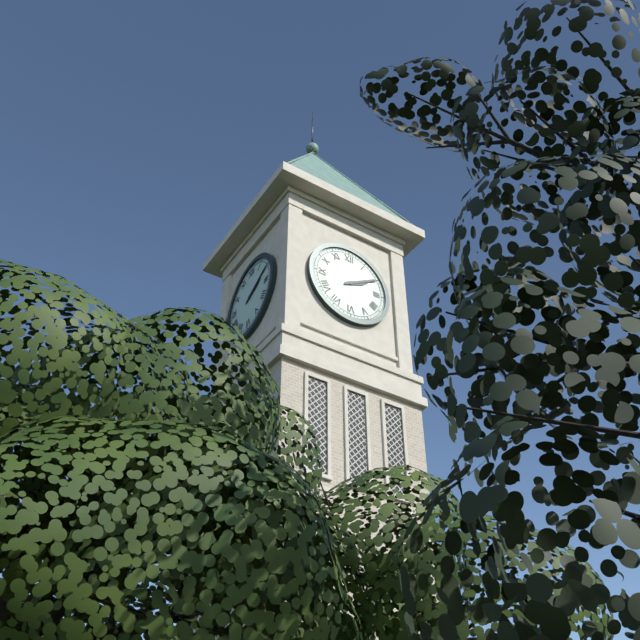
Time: **2:10**
